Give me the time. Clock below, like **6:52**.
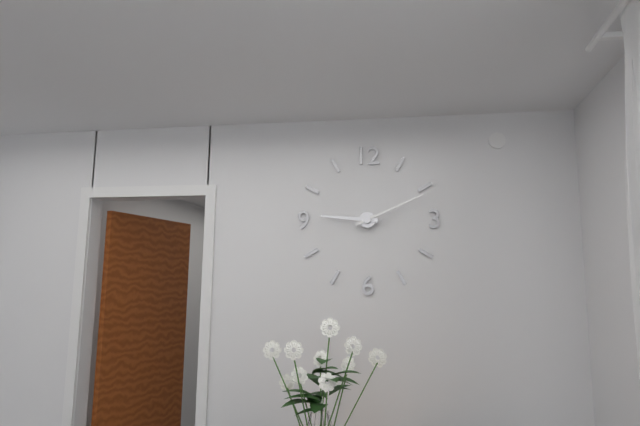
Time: **9:11**
